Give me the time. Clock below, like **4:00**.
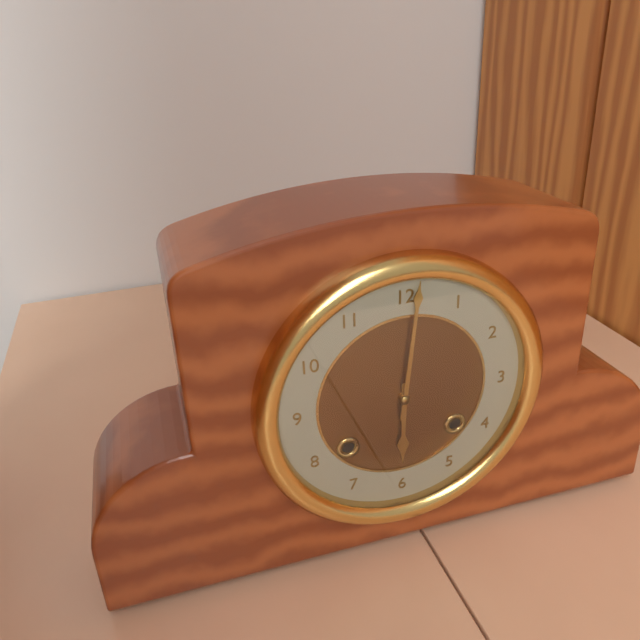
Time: **6:01**
